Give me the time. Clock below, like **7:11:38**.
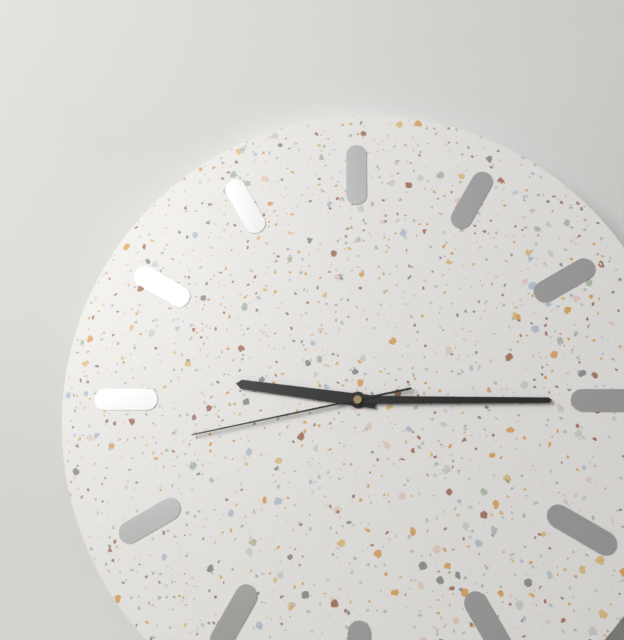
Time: **9:15:43**
